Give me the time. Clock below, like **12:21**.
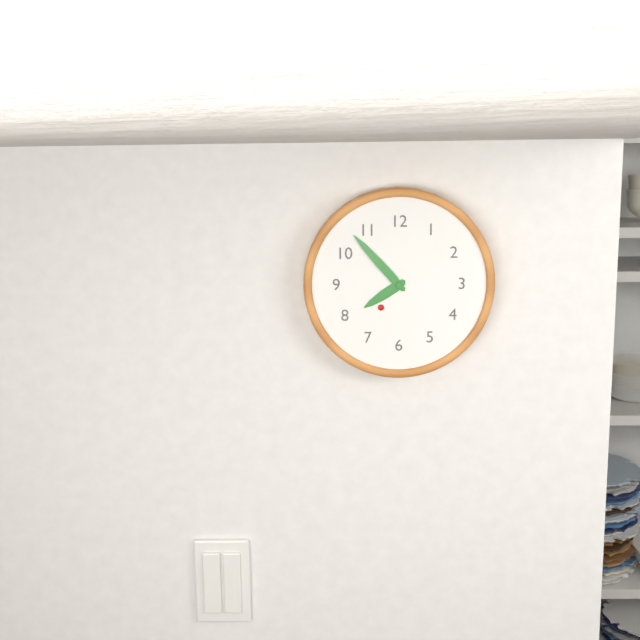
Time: **7:53**
